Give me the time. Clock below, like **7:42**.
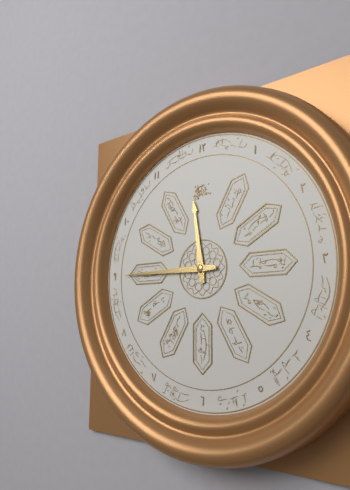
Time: **11:45**
